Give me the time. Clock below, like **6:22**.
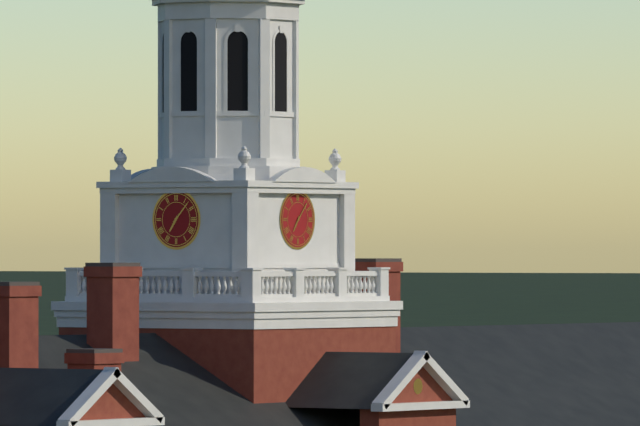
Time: **7:07**
